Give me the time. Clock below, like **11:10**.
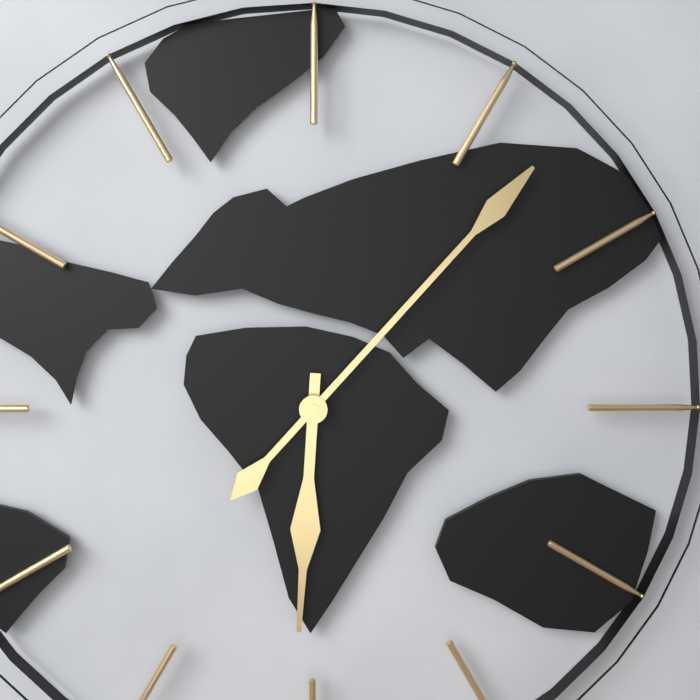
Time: **6:07**
